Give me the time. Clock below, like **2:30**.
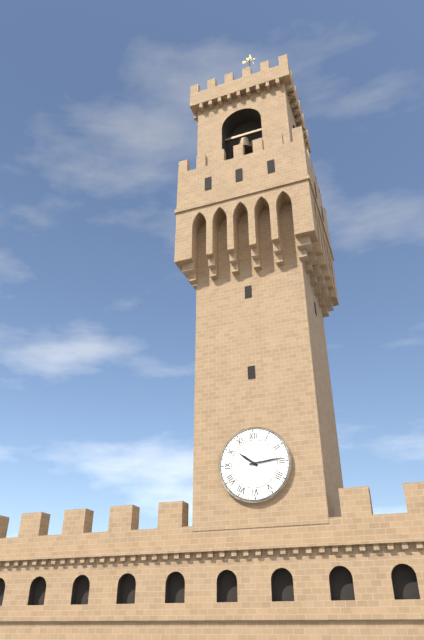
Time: **10:14**
